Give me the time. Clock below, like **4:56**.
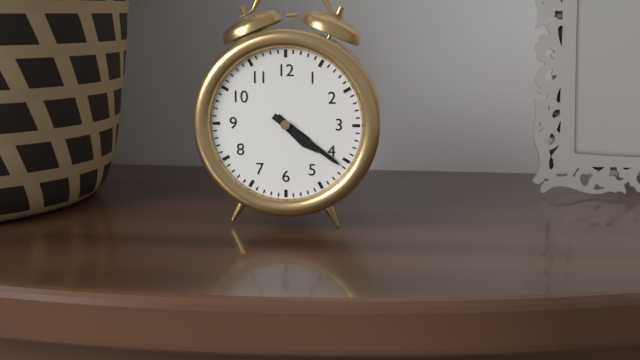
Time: **4:21**
